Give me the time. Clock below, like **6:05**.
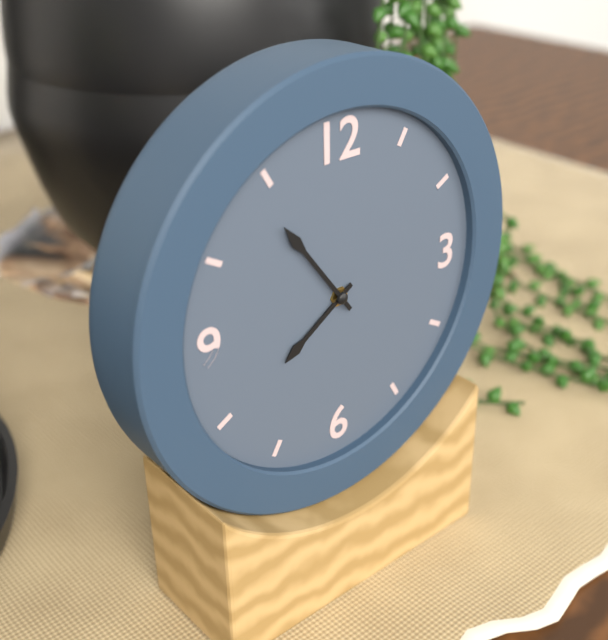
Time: **7:54**
